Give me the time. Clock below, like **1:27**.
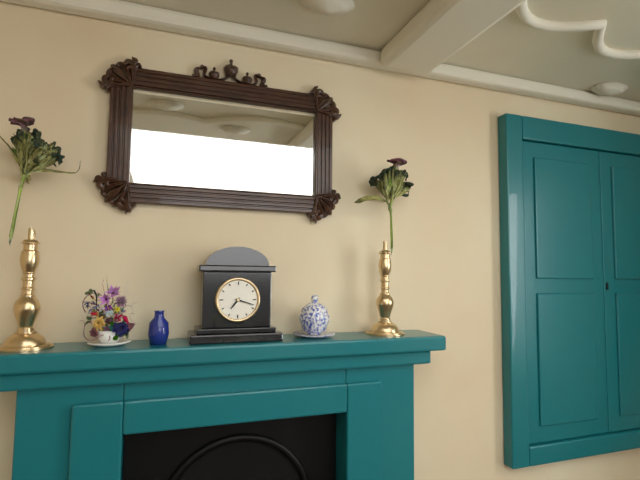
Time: **7:18**
